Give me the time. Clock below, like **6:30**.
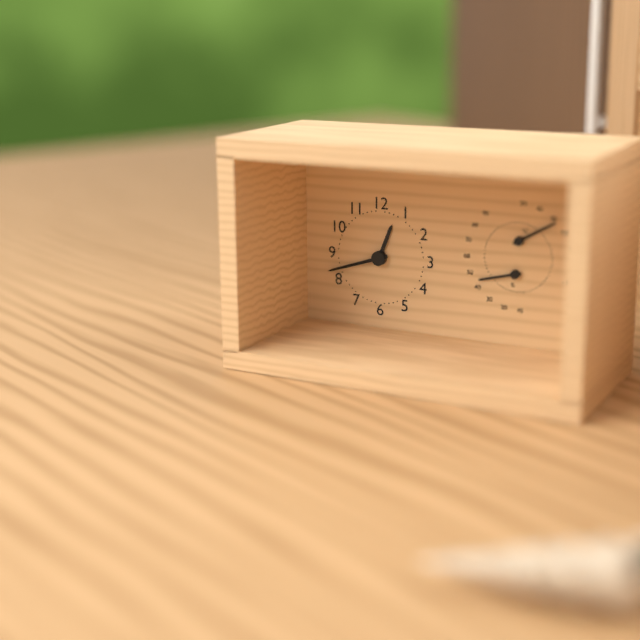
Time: **12:42**
